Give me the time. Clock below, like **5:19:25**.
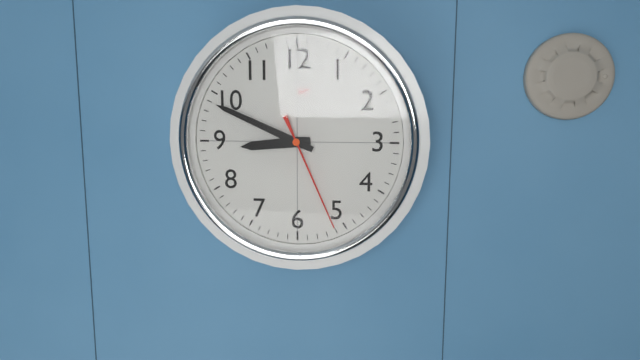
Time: **8:49:26**
